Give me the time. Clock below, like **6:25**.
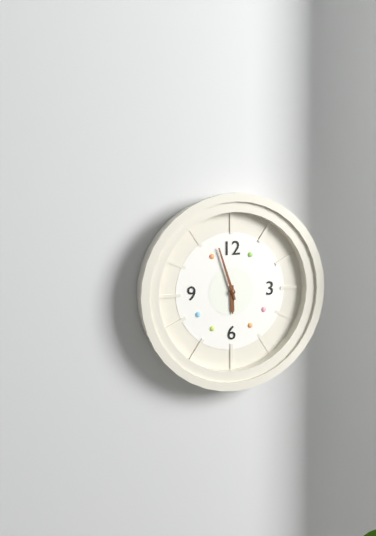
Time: **5:57**
